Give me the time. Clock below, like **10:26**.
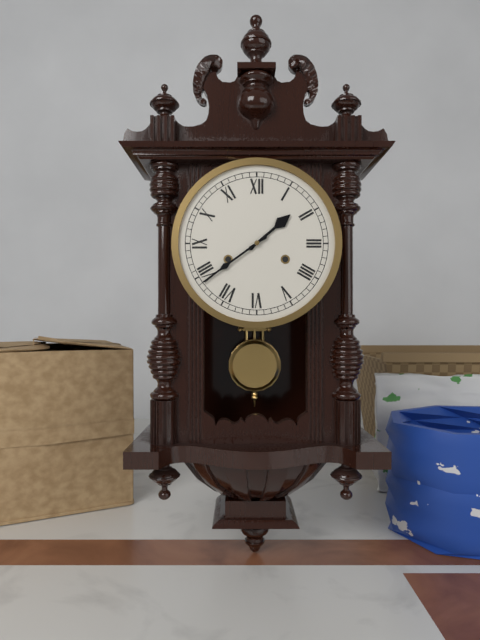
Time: **1:39**
